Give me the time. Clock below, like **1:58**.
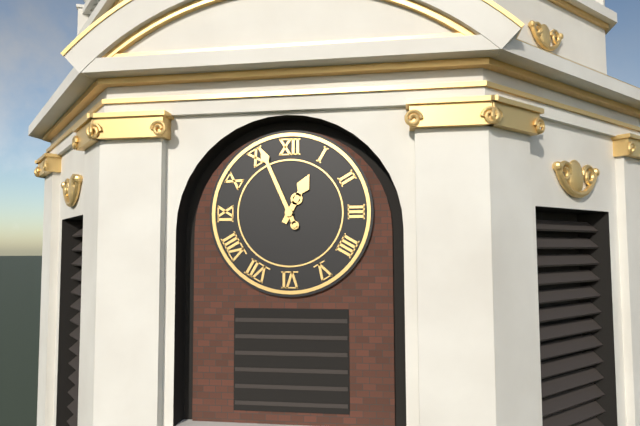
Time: **12:56**
